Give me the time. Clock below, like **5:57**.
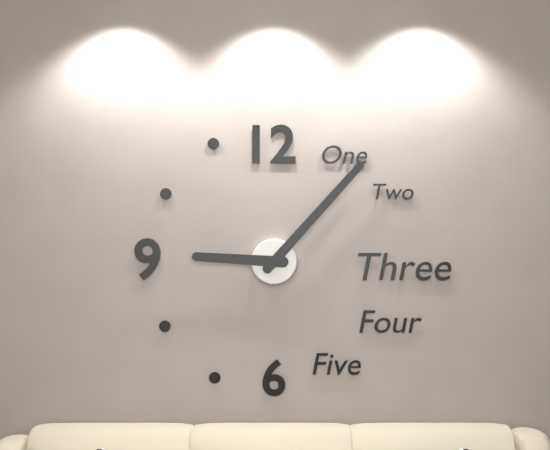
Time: **9:07**
